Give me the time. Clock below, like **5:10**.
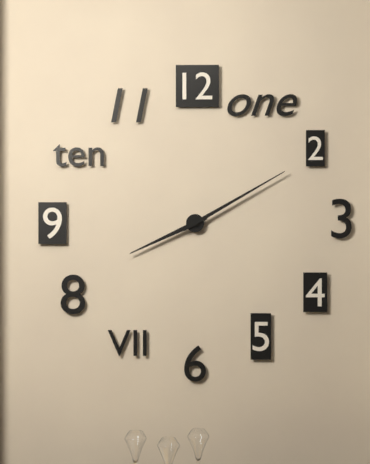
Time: **8:10**
